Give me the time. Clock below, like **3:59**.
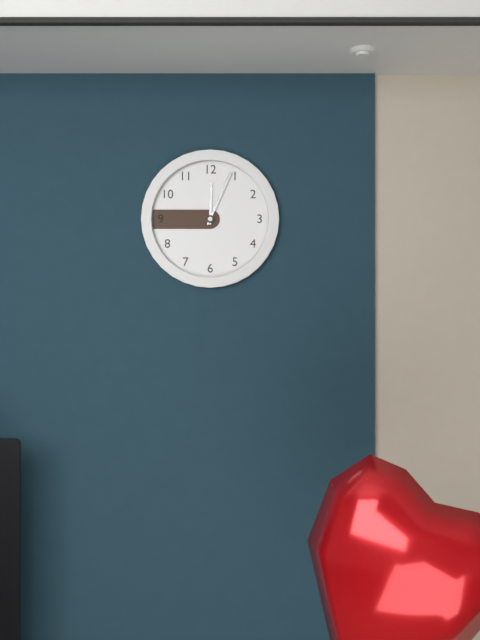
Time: **12:04**
